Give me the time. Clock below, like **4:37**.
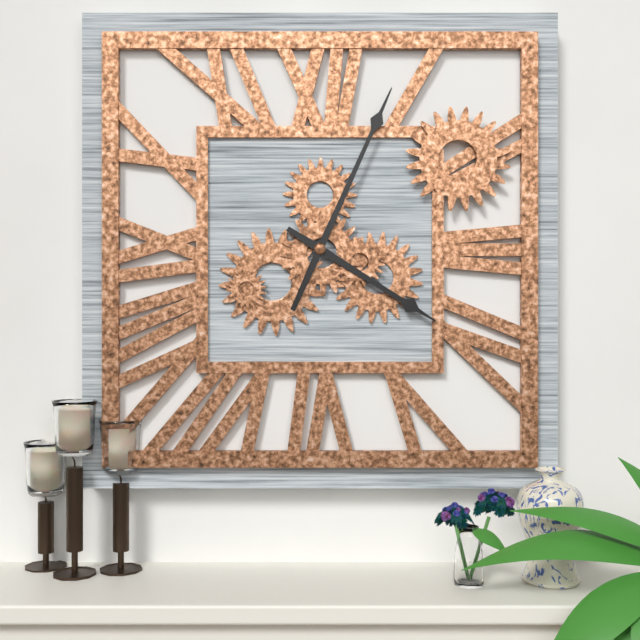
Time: **4:04**
